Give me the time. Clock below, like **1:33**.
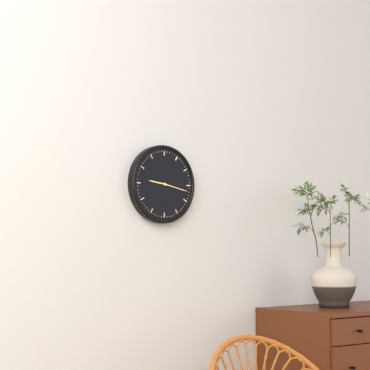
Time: **9:17**
